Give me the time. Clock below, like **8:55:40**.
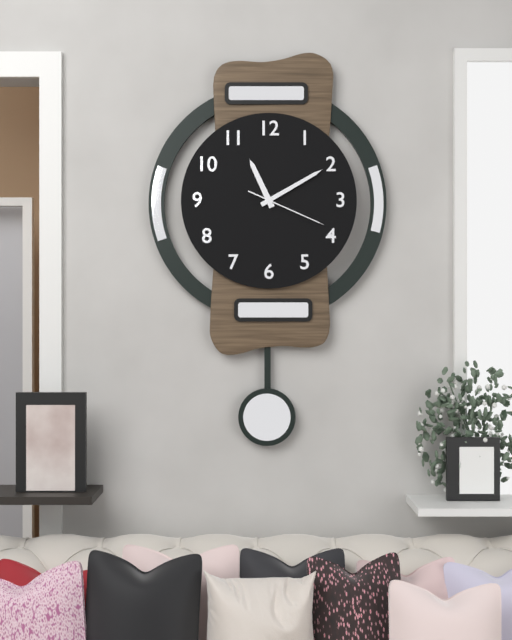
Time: **11:10:19**
